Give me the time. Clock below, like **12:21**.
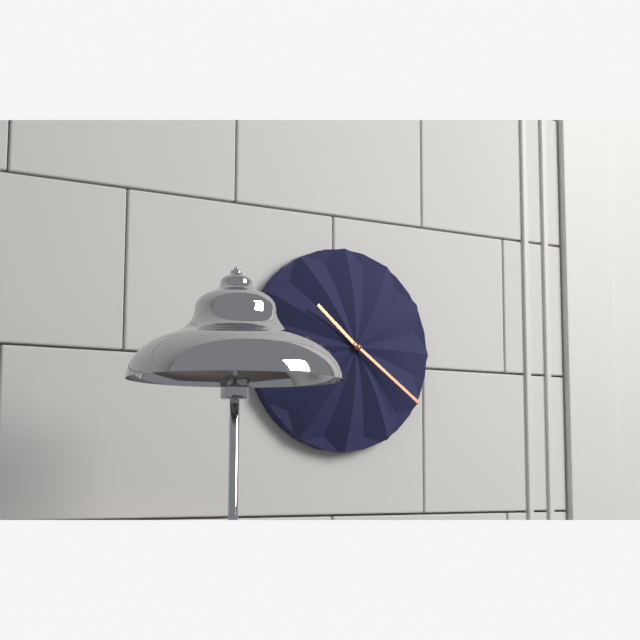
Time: **10:21**
